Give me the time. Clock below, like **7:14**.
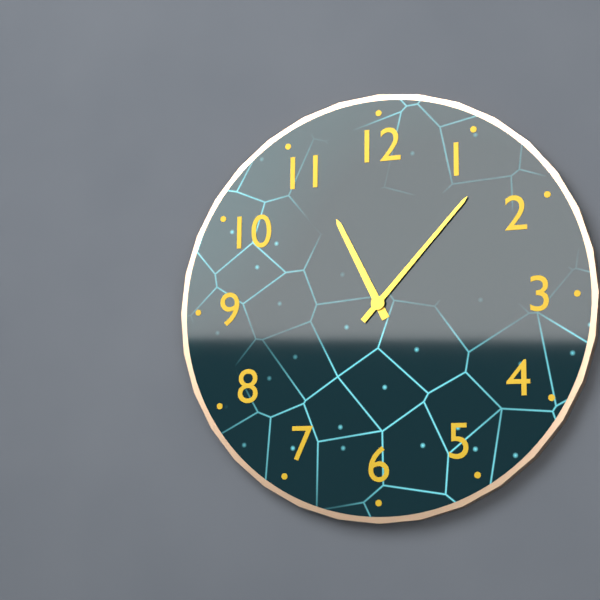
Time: **11:07**
